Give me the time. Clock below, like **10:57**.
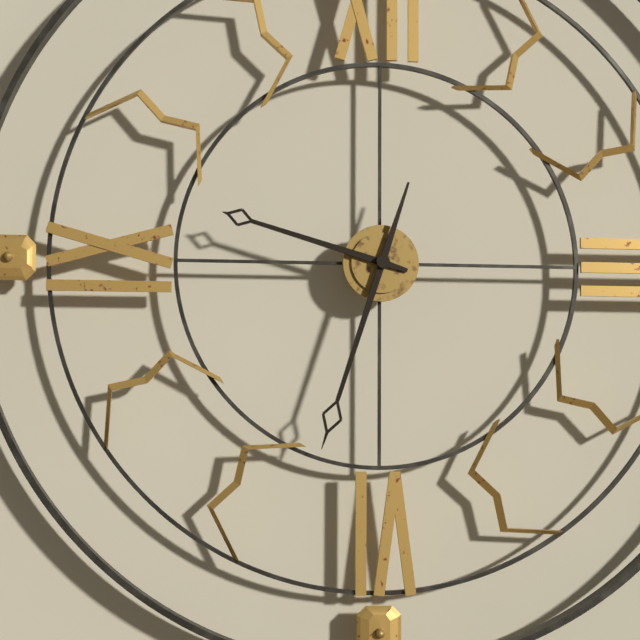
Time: **9:33**
